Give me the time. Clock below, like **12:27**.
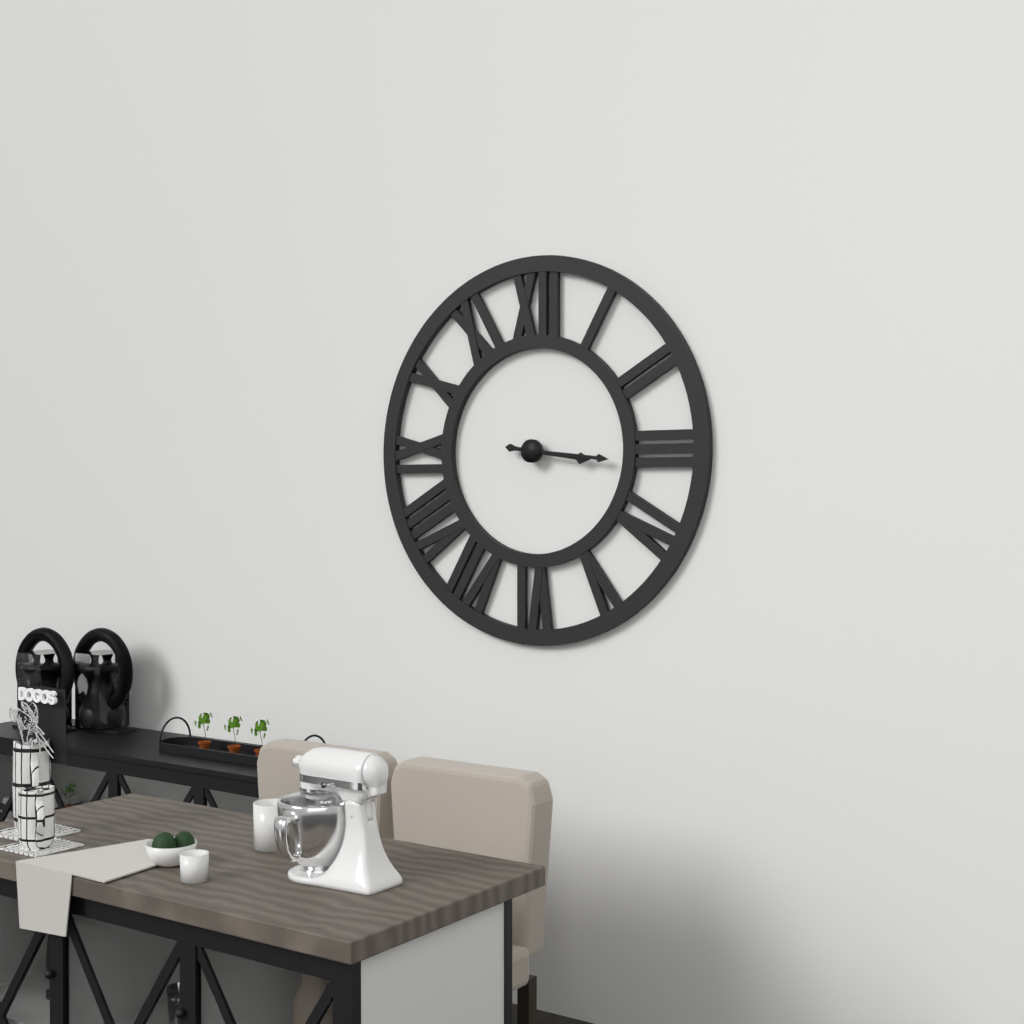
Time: **3:16**
